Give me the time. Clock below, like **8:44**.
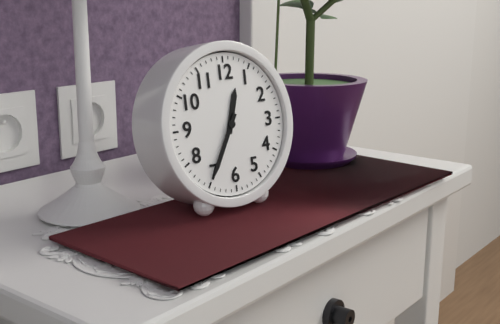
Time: **12:35**
